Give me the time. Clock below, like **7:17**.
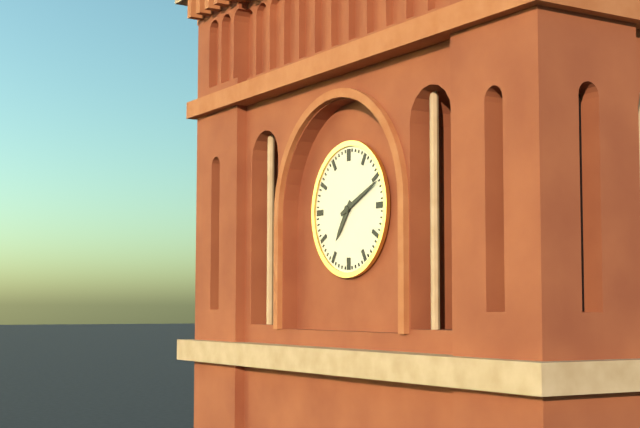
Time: **7:11**
